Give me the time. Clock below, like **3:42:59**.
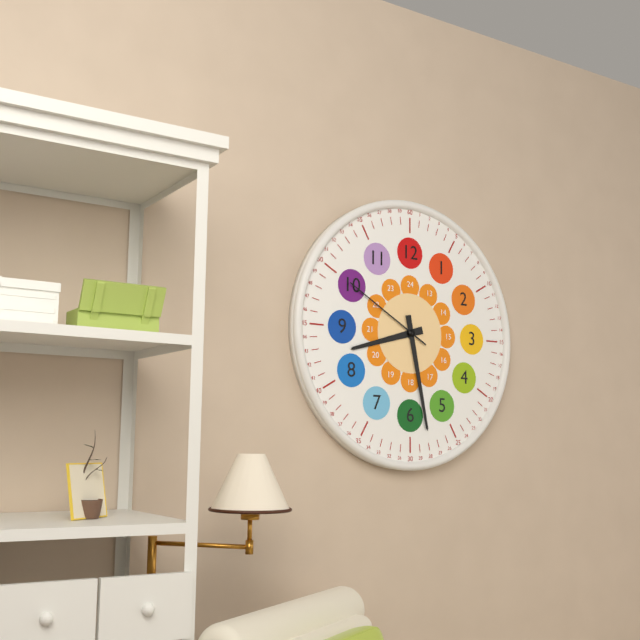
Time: **8:28:50**
